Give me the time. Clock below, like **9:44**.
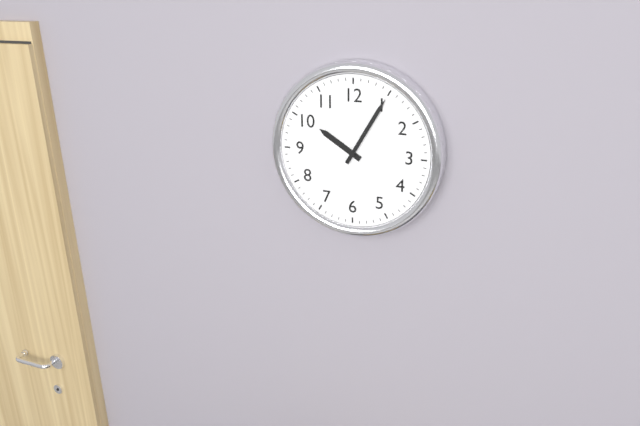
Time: **10:05**
